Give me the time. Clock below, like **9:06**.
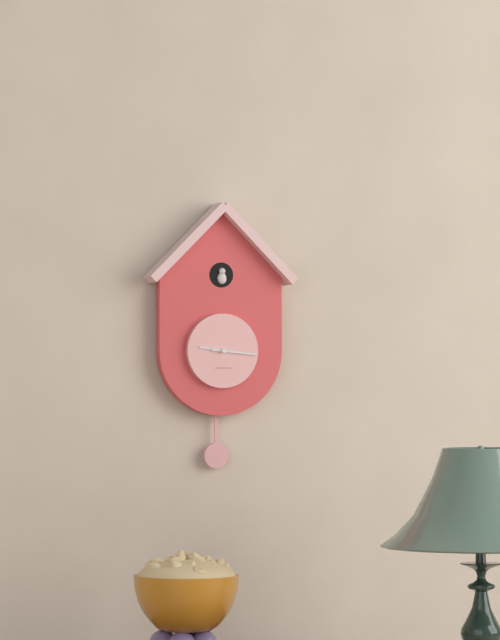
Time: **9:16**
